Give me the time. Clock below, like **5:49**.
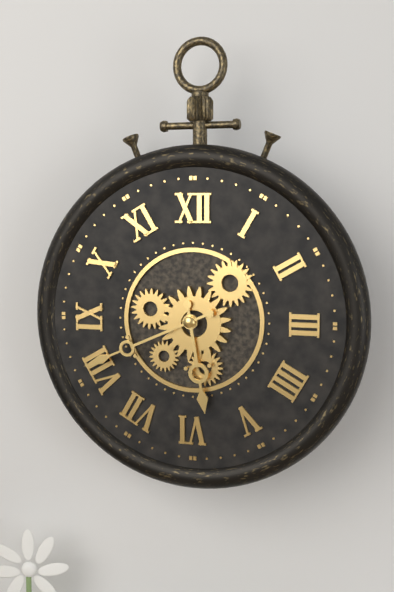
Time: **5:41**
